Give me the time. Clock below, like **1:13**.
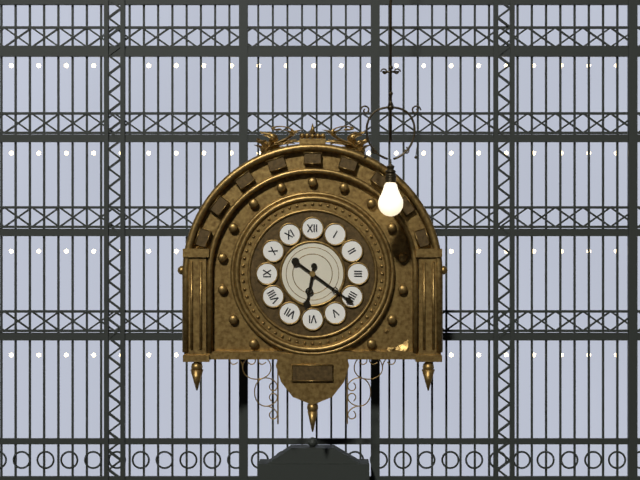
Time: **6:21**
